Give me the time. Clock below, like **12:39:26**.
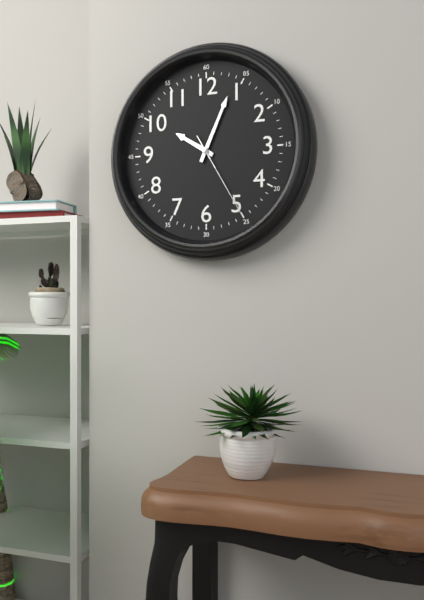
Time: **10:04:25**
